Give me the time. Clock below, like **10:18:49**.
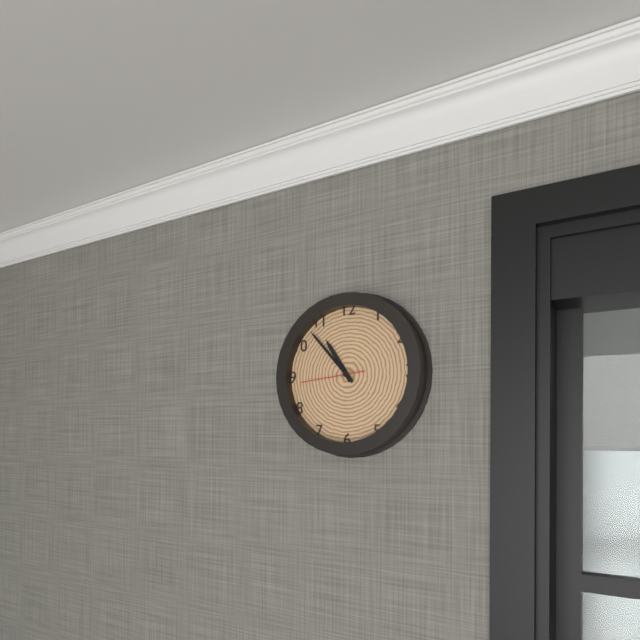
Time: **10:53:44**
